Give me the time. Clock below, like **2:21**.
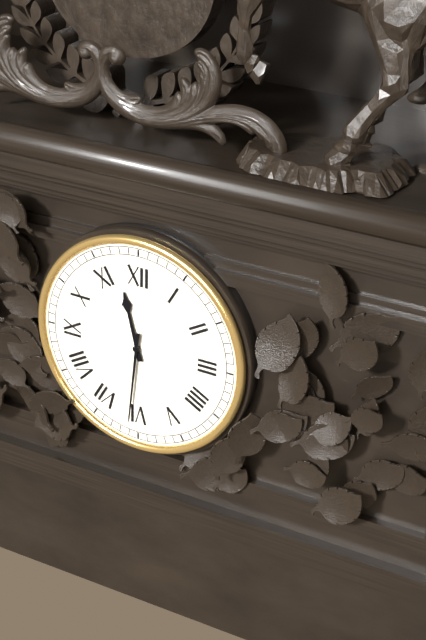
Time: **11:31**
